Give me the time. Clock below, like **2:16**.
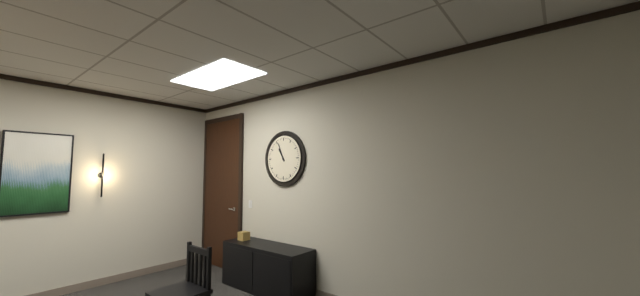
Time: **10:56**
